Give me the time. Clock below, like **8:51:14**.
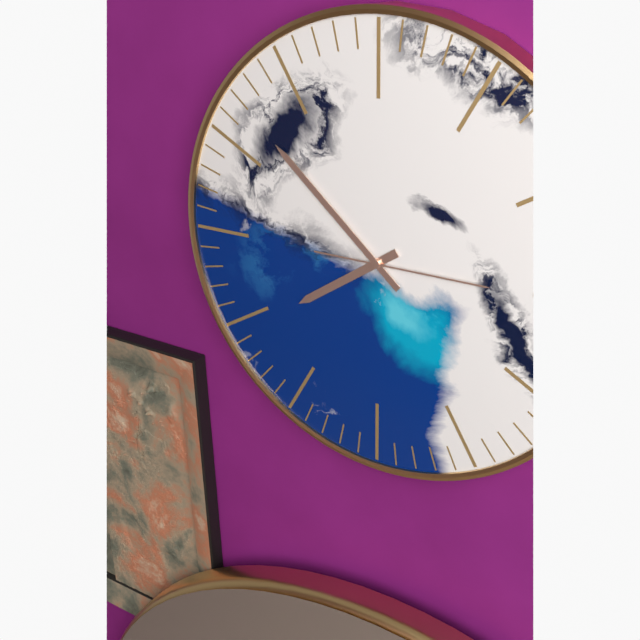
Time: **7:52:15**
